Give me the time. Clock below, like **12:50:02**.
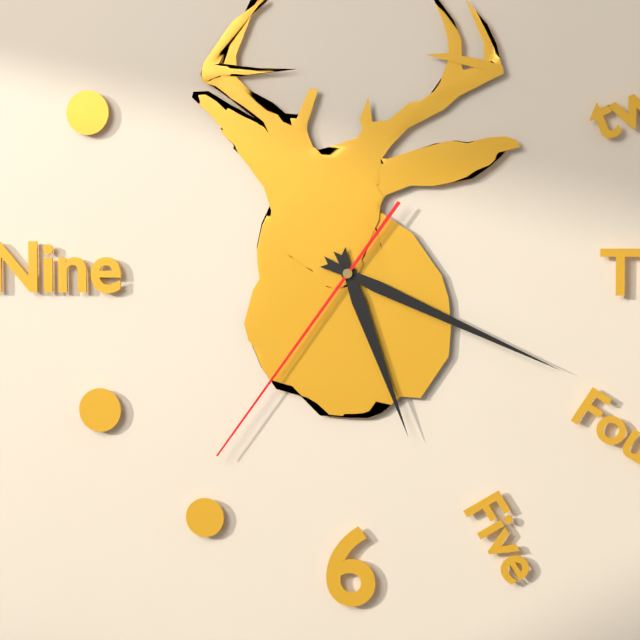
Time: **5:19:36**
